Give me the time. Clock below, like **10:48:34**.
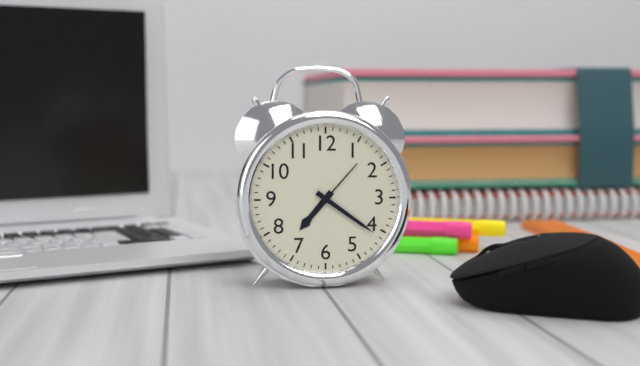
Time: **7:21:07**
